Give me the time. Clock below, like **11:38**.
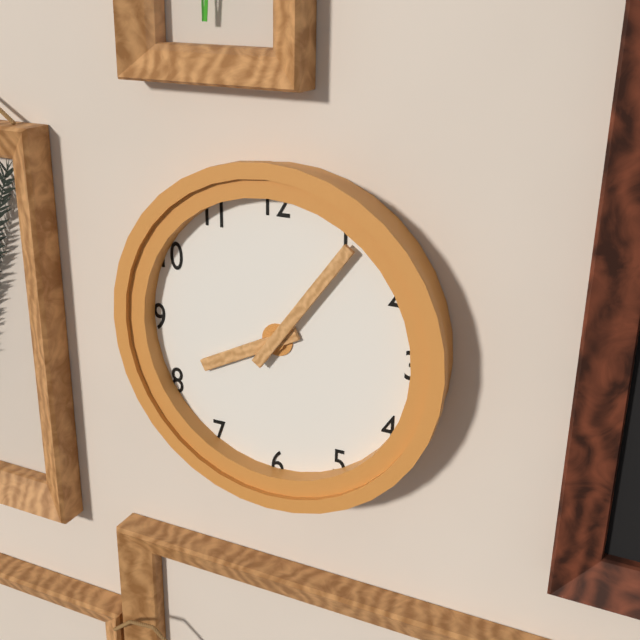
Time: **8:06**
